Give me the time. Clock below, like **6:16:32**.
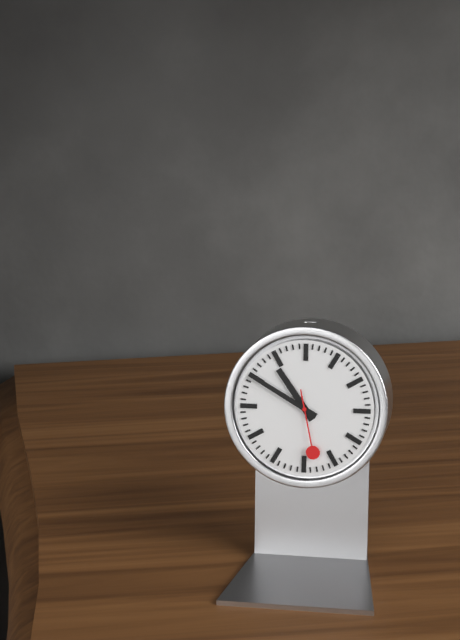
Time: **10:50:28**
